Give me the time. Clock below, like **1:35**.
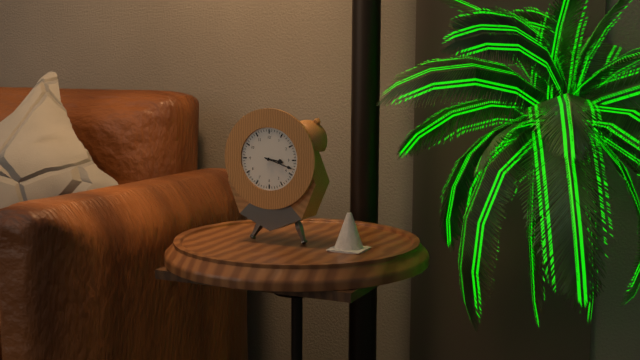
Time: **3:18**
